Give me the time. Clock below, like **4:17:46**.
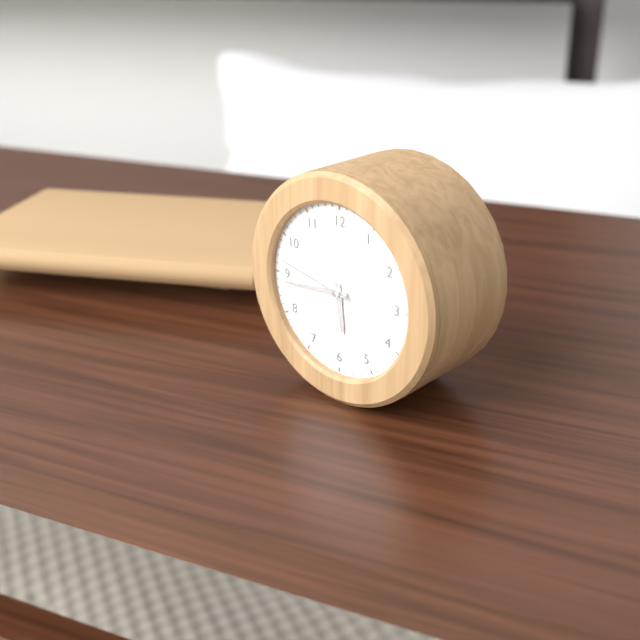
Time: **5:44:47**
